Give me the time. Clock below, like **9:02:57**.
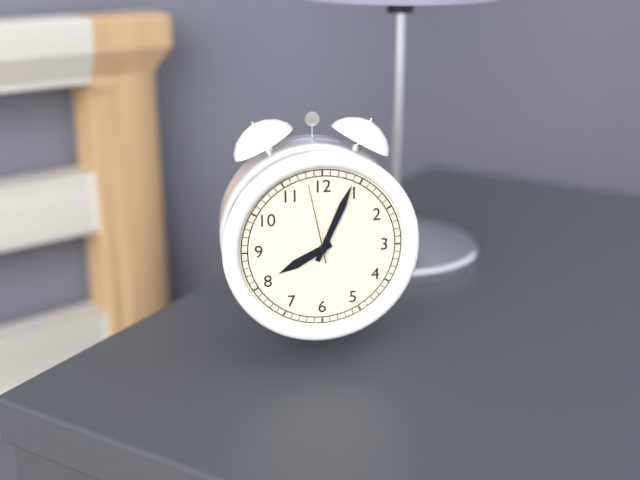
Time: **8:04:58**
